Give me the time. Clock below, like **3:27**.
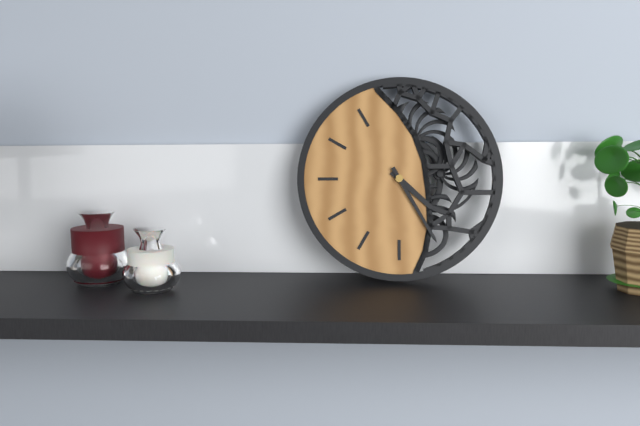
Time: **4:25**
